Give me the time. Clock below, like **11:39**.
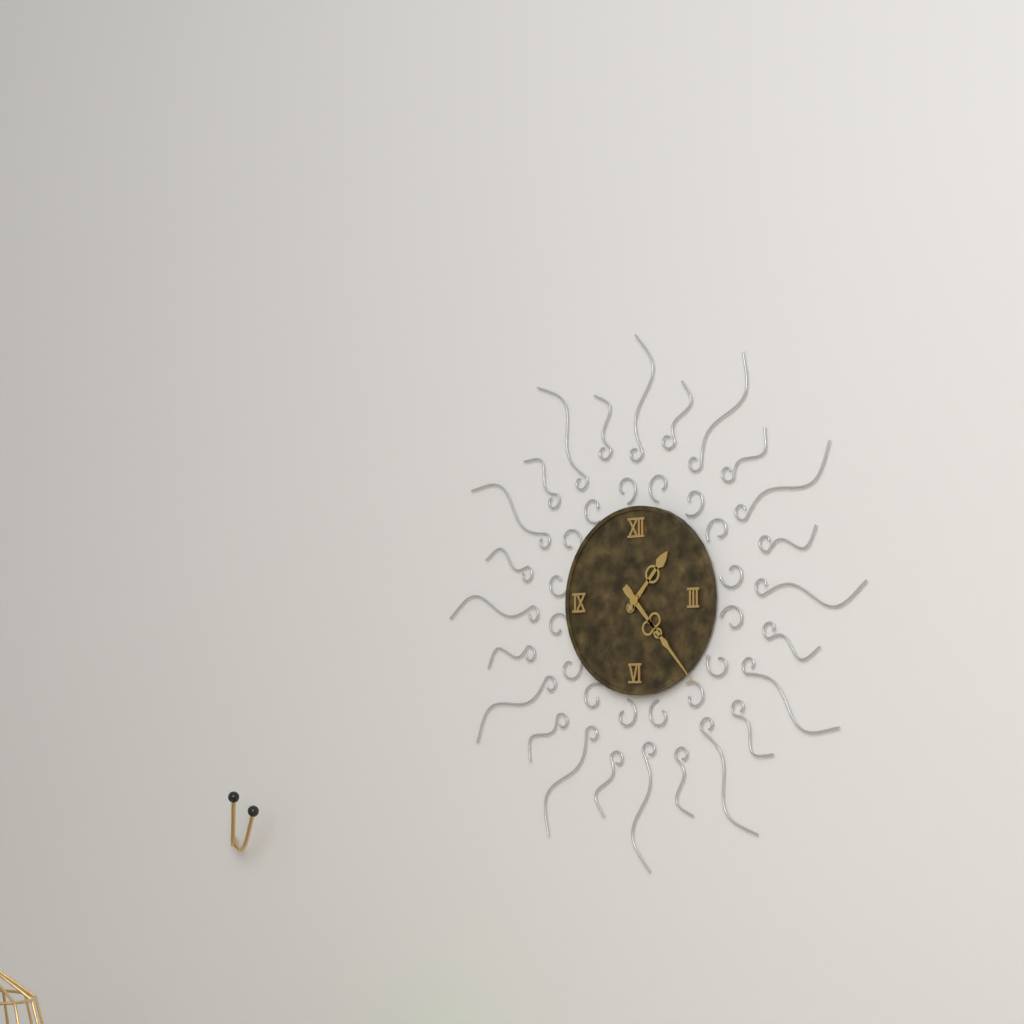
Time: **1:23**
